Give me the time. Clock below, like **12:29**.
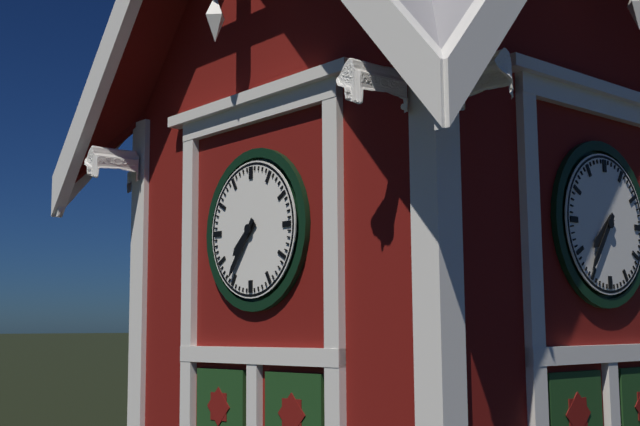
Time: **7:36**
